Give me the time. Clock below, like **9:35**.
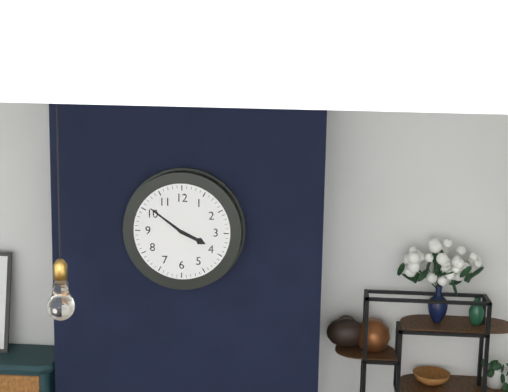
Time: **3:51**
